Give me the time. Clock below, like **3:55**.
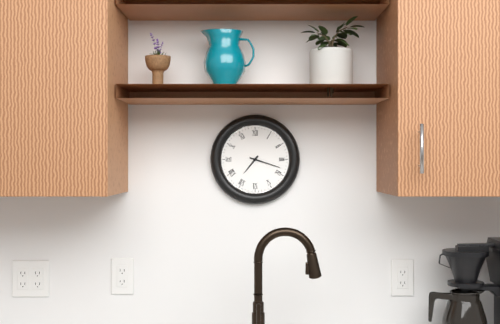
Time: **7:18**
